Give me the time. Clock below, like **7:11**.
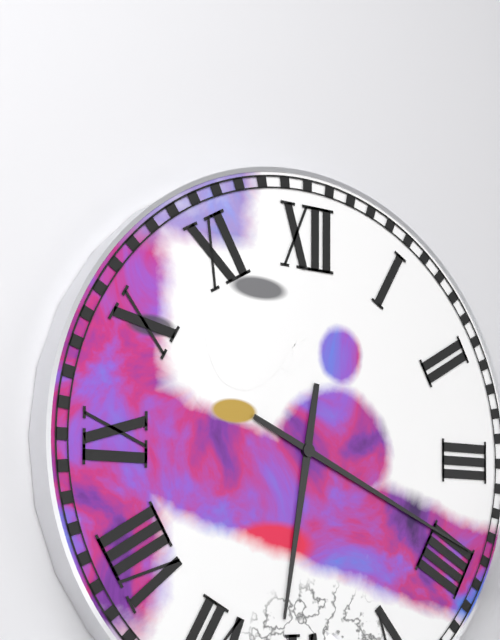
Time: **6:19**
